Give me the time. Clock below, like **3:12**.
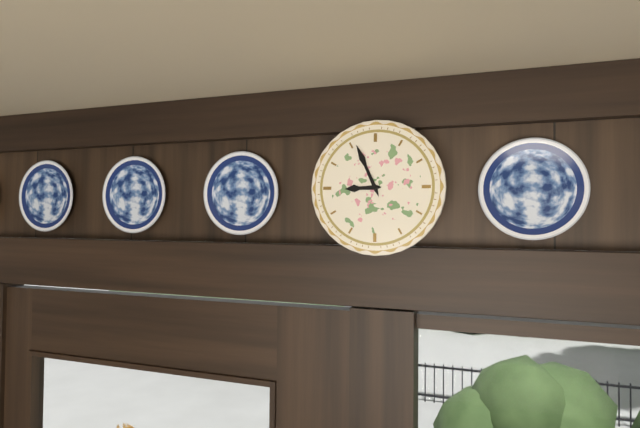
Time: **8:56**
